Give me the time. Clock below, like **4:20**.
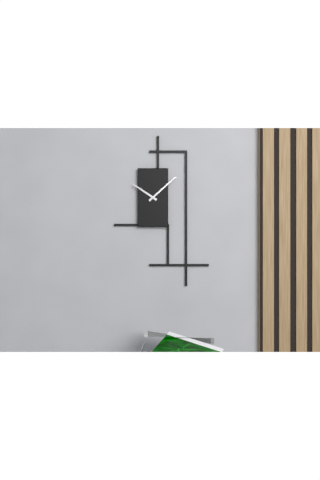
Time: **10:08**
